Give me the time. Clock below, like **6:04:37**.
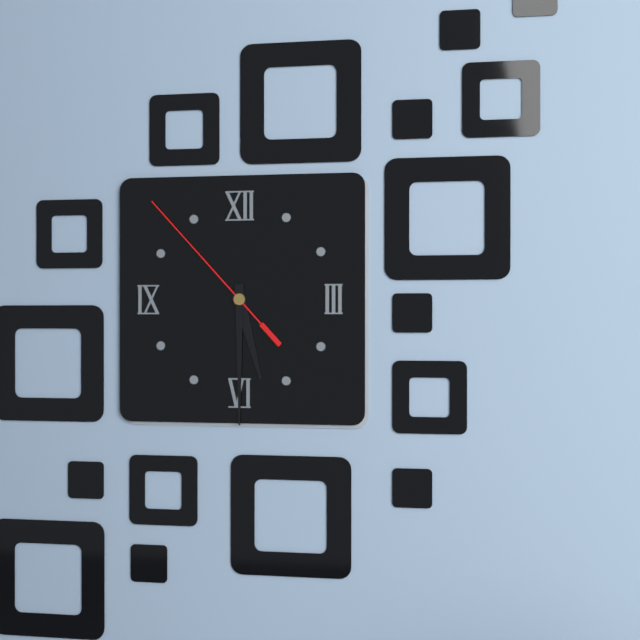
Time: **5:30:53**
